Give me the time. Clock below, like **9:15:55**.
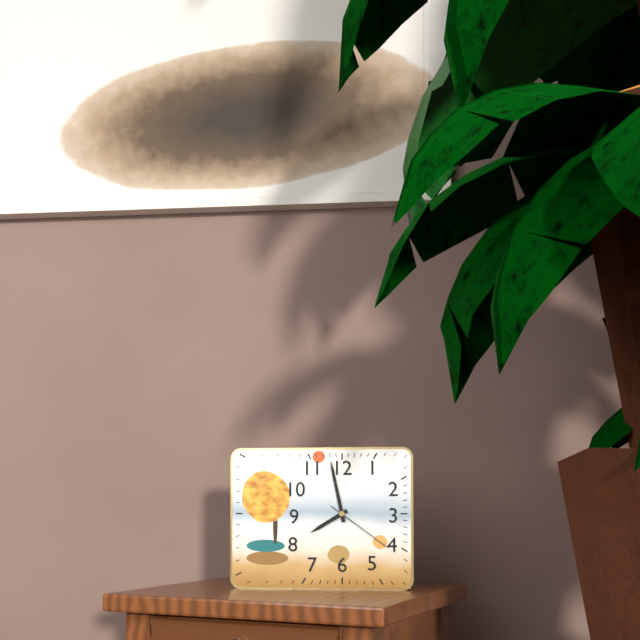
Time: **7:58:21**
